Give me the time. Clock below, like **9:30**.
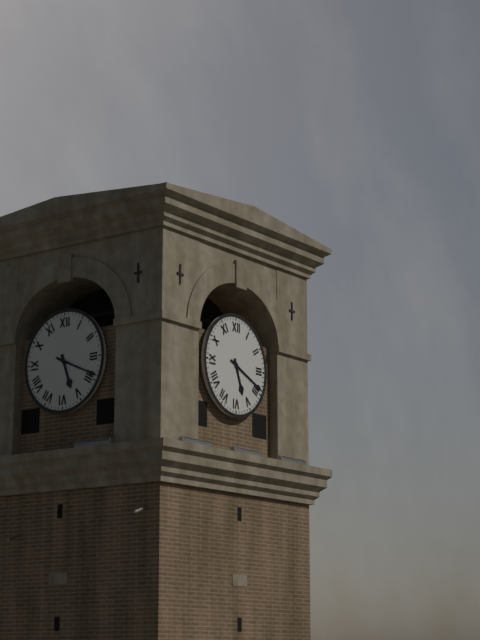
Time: **5:19**
